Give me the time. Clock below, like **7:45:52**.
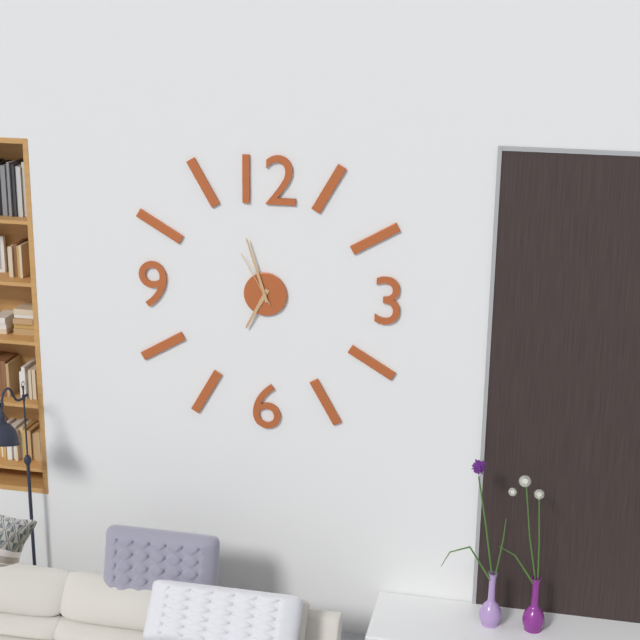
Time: **6:57:55**
